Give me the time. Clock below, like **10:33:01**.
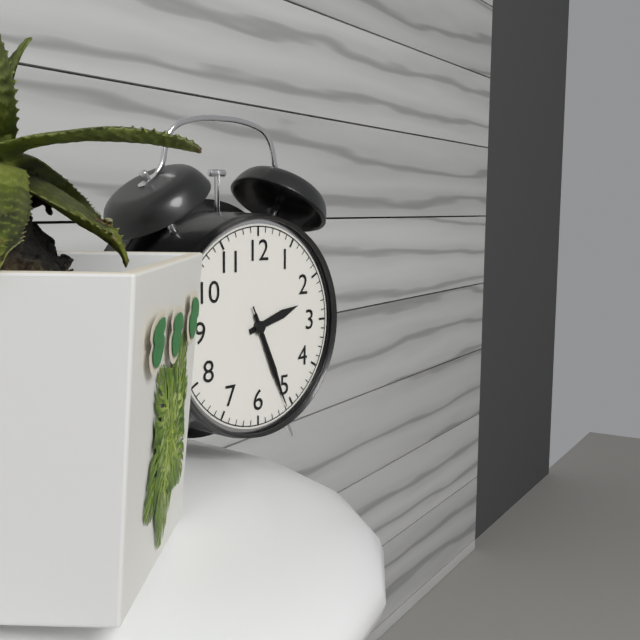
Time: **2:26:26**
